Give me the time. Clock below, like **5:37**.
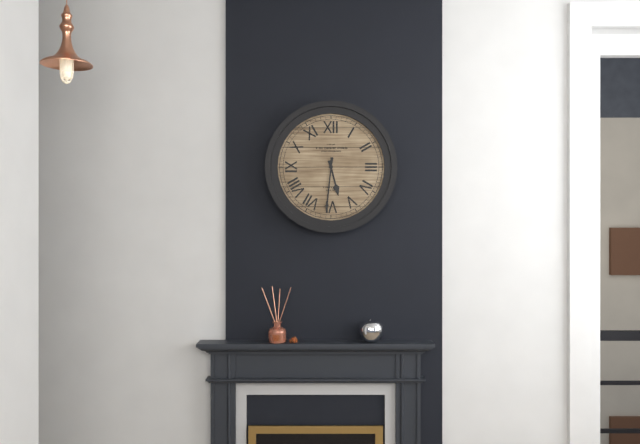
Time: **5:31**
